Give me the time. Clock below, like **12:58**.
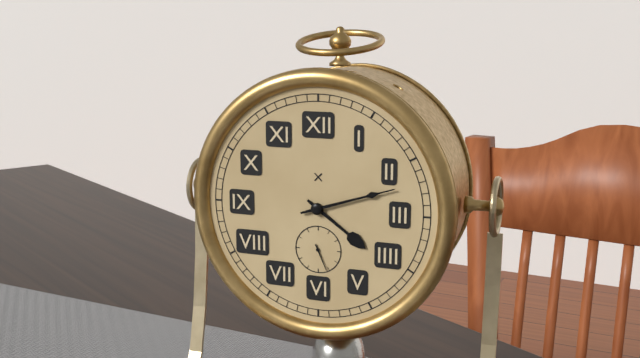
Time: **4:12**
